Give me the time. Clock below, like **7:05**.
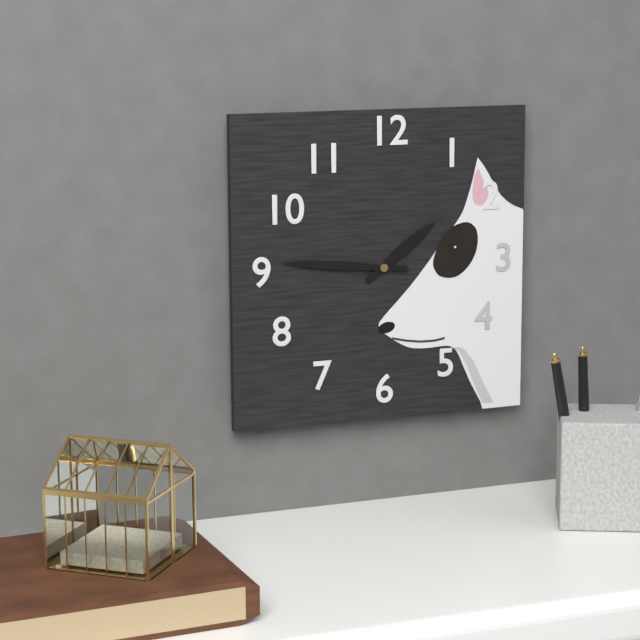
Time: **1:46**
